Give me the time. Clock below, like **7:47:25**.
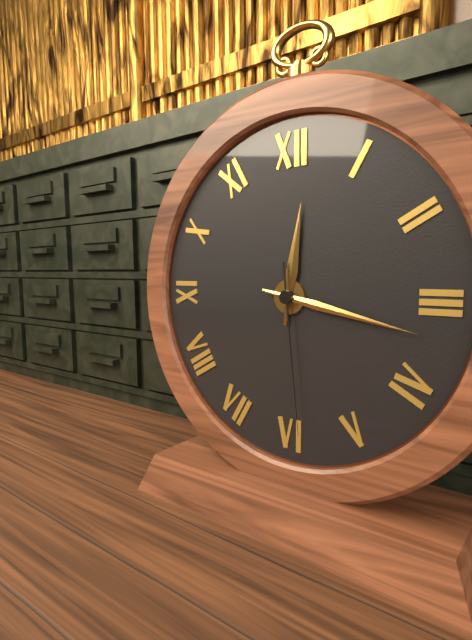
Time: **12:17:29**
